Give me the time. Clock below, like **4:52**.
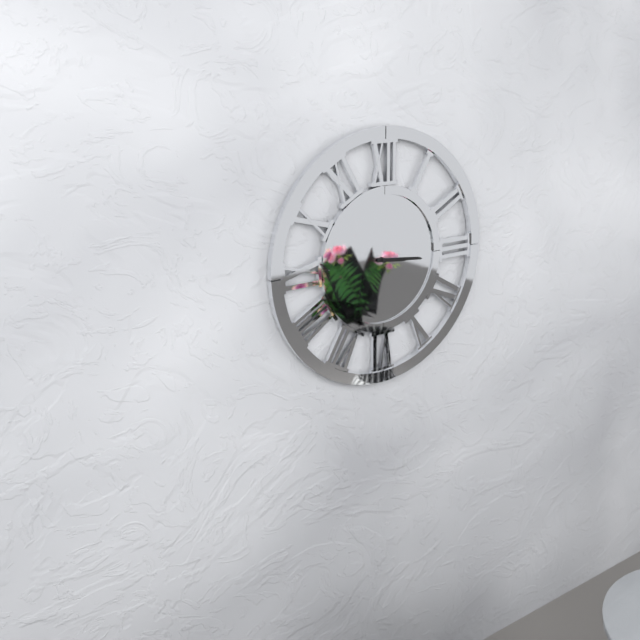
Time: **3:16**
